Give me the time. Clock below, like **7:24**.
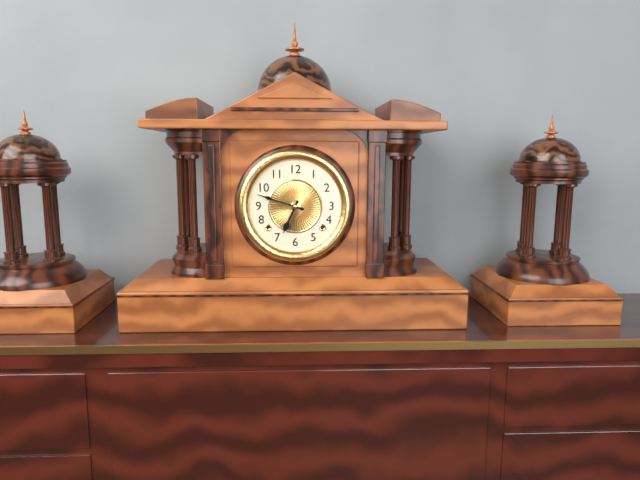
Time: **6:48**
